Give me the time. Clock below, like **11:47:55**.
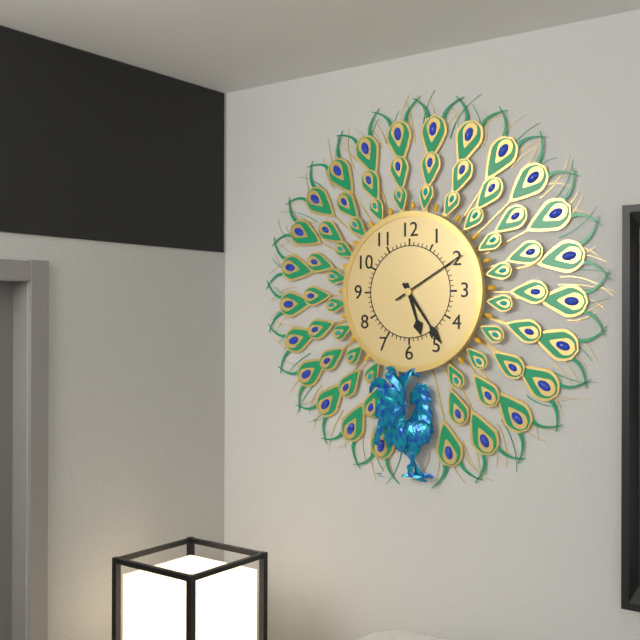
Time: **5:24:10**
